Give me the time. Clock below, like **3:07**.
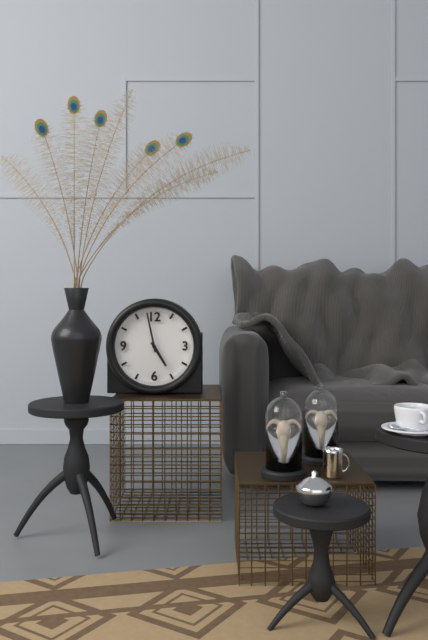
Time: **4:58**
